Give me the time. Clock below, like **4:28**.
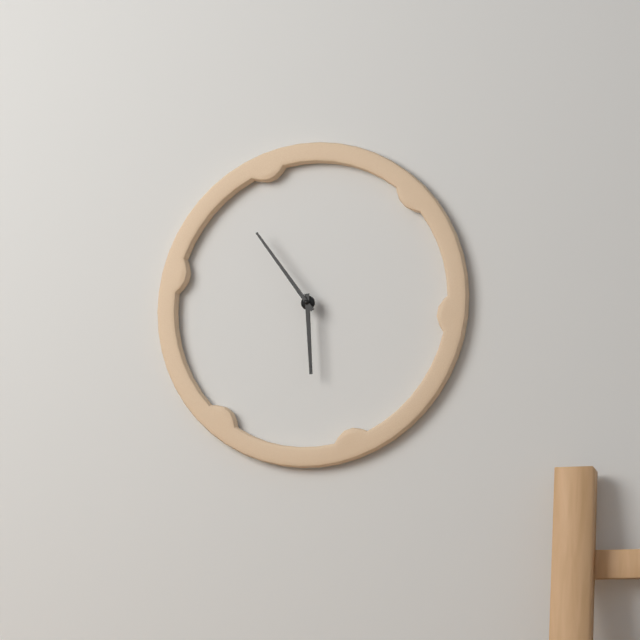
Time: **5:54**
